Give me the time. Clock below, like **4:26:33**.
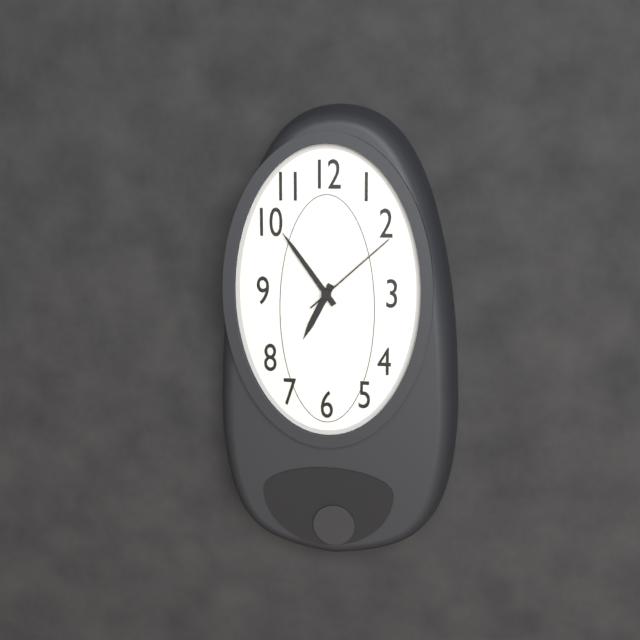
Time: **6:54:08**
